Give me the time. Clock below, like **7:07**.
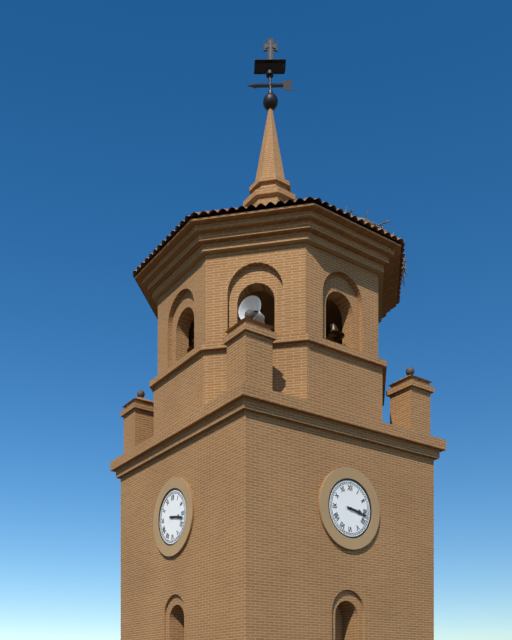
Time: **3:17**
